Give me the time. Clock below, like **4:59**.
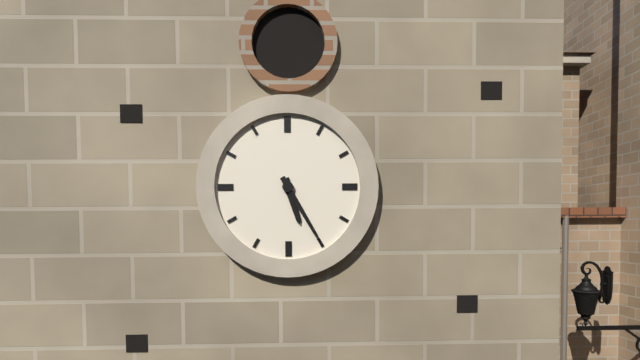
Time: **5:25**
